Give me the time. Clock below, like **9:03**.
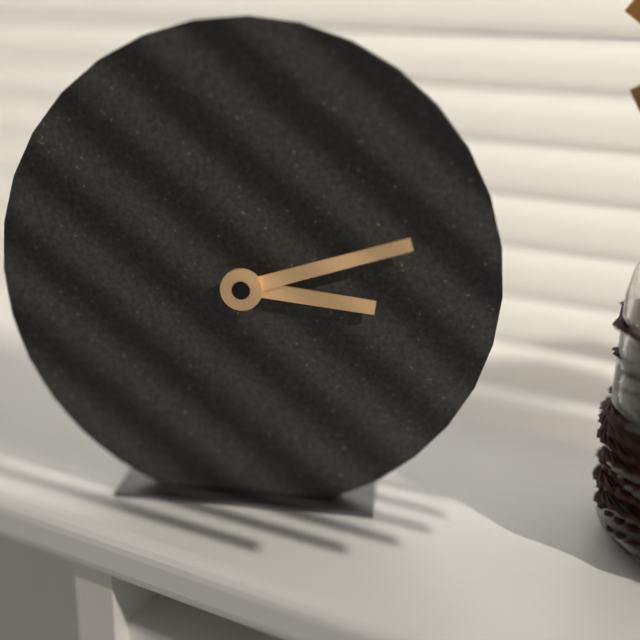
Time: **3:12**
